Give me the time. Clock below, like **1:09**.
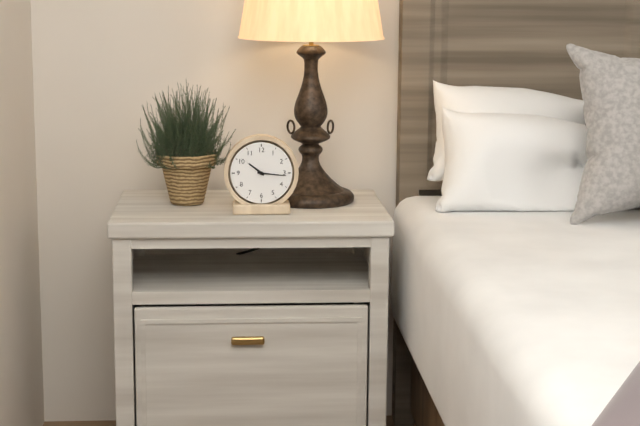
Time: **10:16**
